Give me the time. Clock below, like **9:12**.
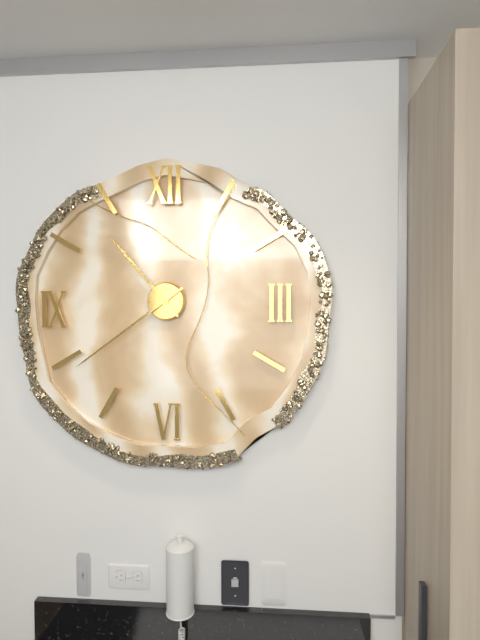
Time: **10:39**
